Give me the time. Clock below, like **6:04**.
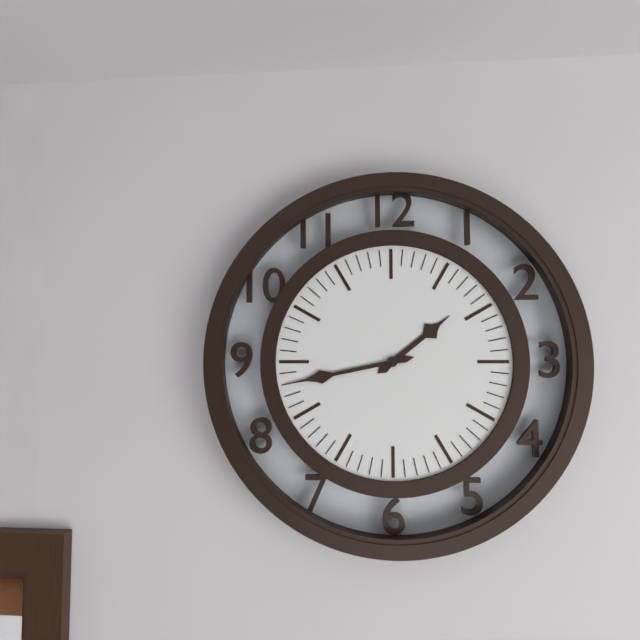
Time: **1:43**
